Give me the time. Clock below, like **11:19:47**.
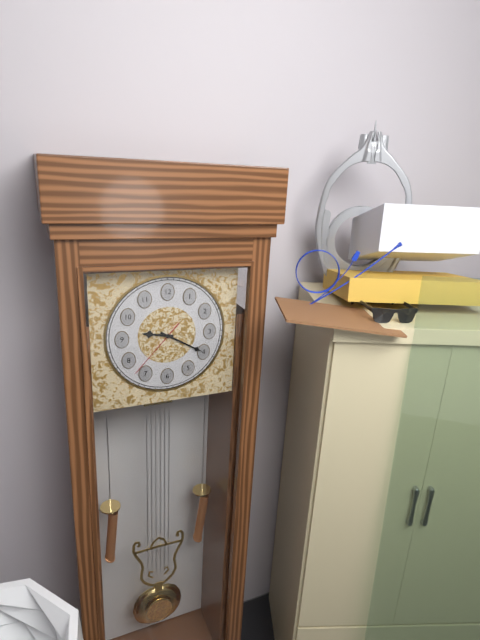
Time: **9:20:37**
